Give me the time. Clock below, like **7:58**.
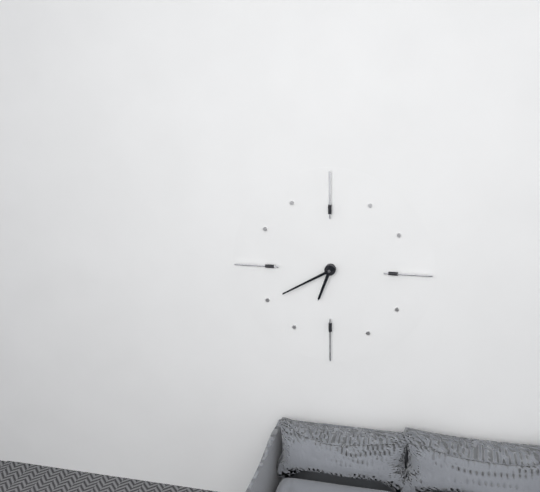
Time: **6:40**
